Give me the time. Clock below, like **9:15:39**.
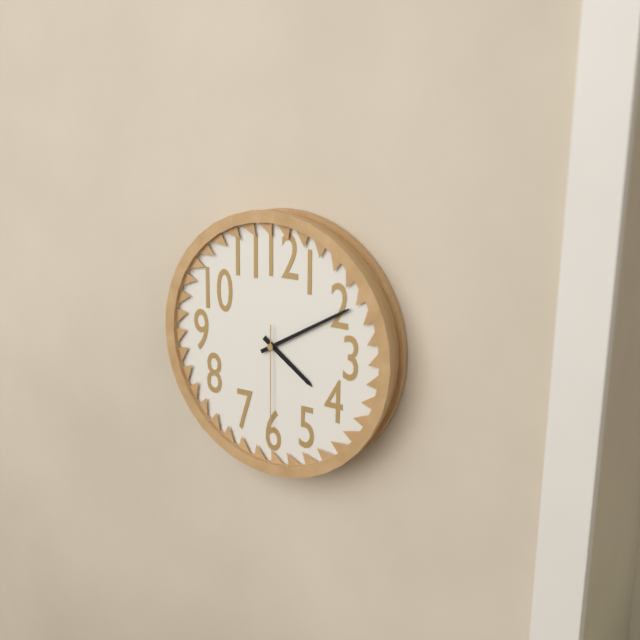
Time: **4:10:30**
